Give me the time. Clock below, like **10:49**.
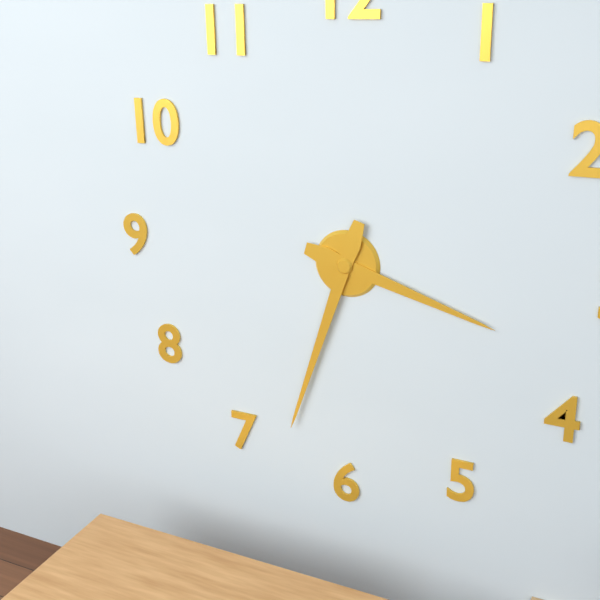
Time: **3:33**
